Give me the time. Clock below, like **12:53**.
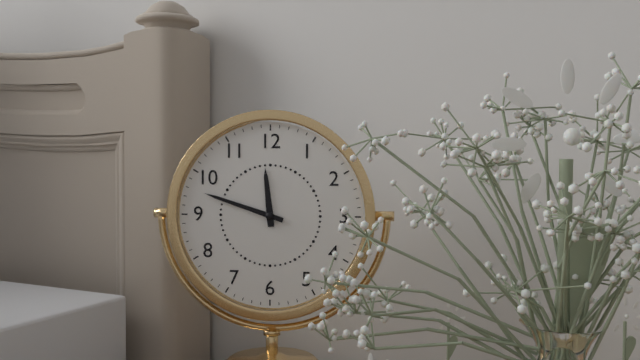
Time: **11:48**
